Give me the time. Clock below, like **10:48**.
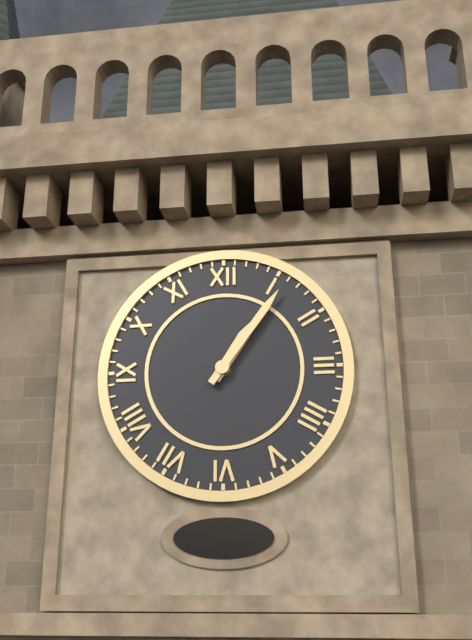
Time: **1:06**
